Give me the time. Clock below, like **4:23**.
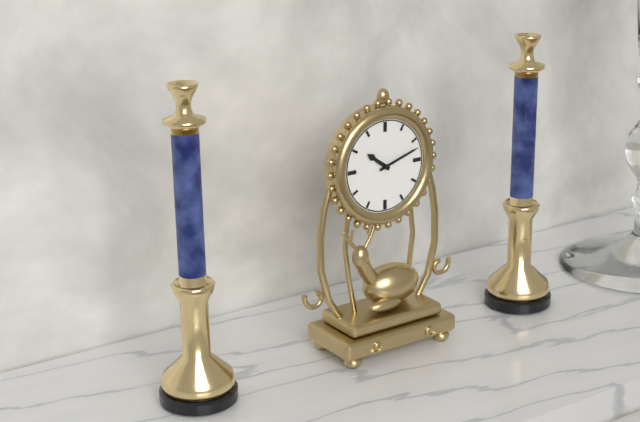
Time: **10:12**
